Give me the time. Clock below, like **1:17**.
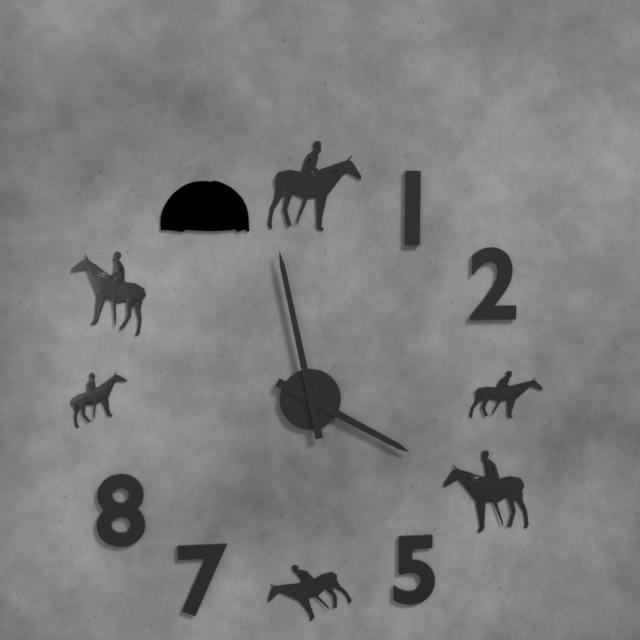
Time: **3:58**
